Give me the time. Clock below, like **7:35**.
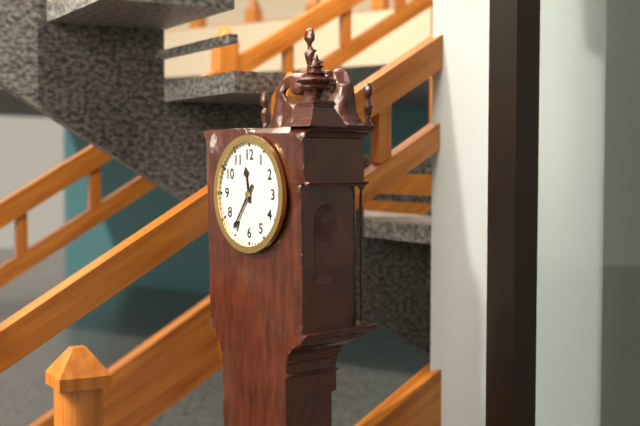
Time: **11:36**
